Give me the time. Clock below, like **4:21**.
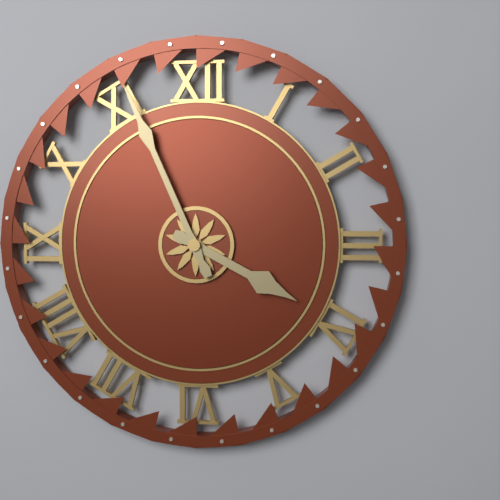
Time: **3:56**
